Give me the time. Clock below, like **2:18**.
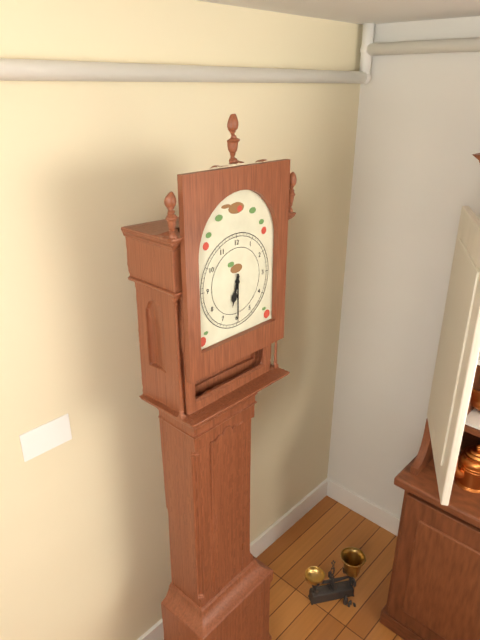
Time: **6:30**
